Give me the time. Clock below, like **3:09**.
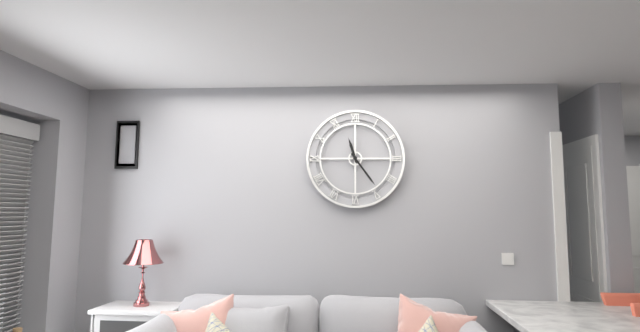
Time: **11:24**
